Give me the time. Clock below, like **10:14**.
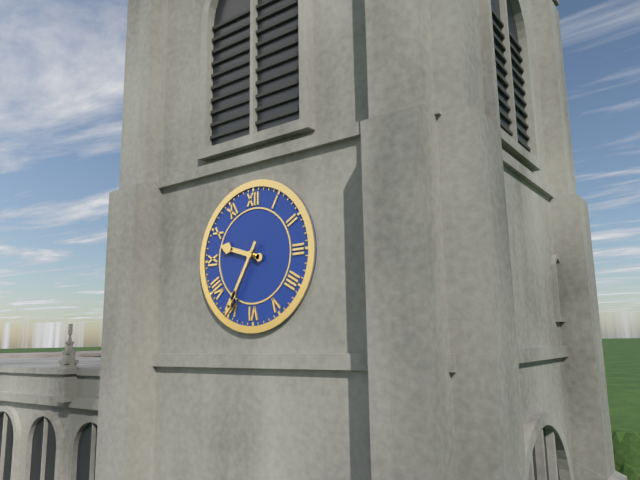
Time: **9:35**
